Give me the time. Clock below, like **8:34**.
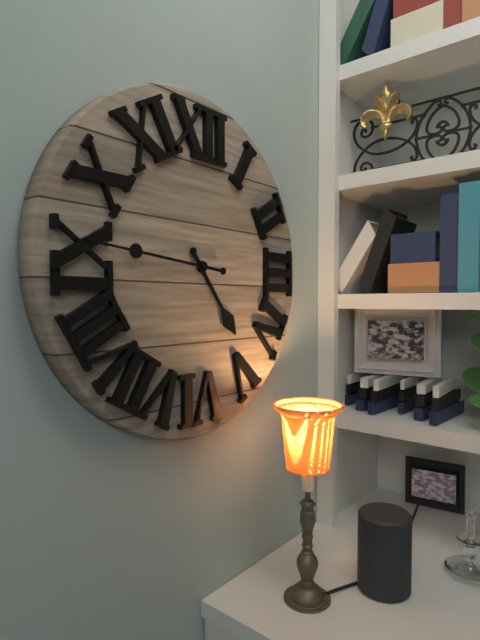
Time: **4:46**
